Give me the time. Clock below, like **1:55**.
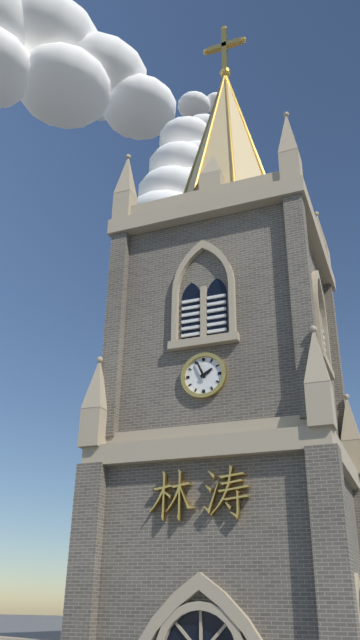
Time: **1:56**
